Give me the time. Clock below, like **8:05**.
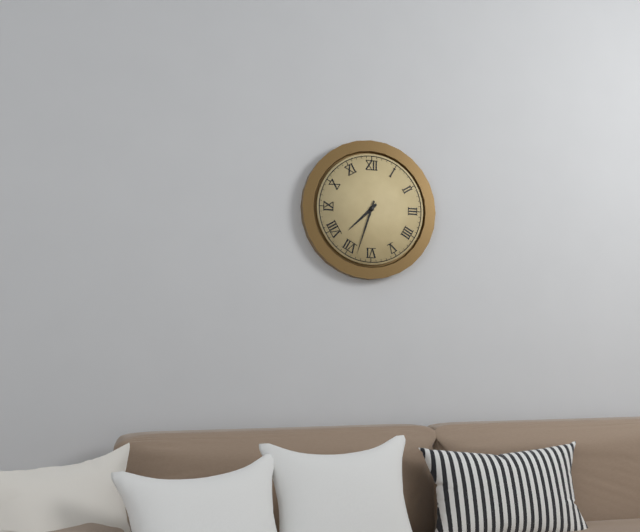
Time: **7:33**
